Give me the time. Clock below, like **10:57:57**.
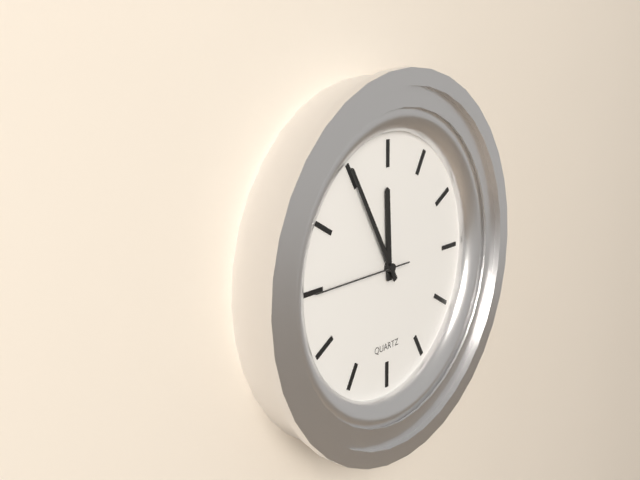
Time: **11:55:45**
